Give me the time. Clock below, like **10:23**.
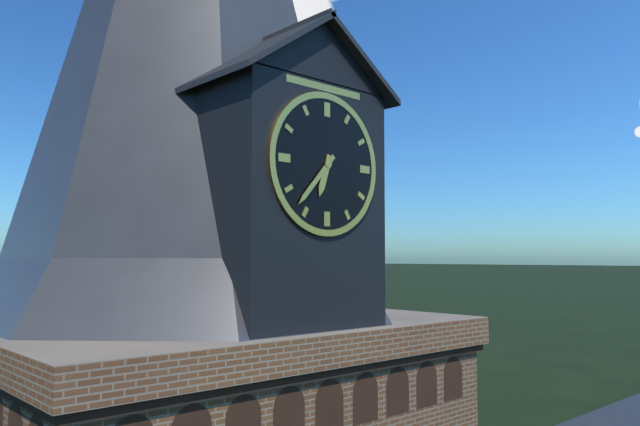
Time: **6:37**
